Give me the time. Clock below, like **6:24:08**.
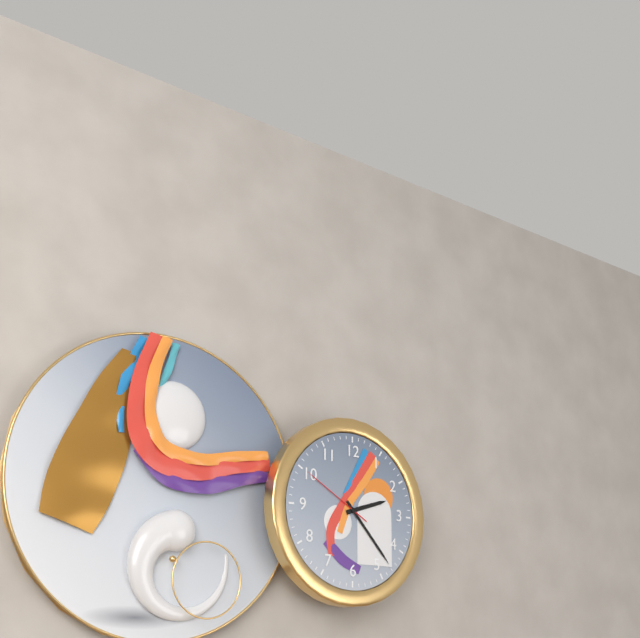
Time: **2:23:50**
